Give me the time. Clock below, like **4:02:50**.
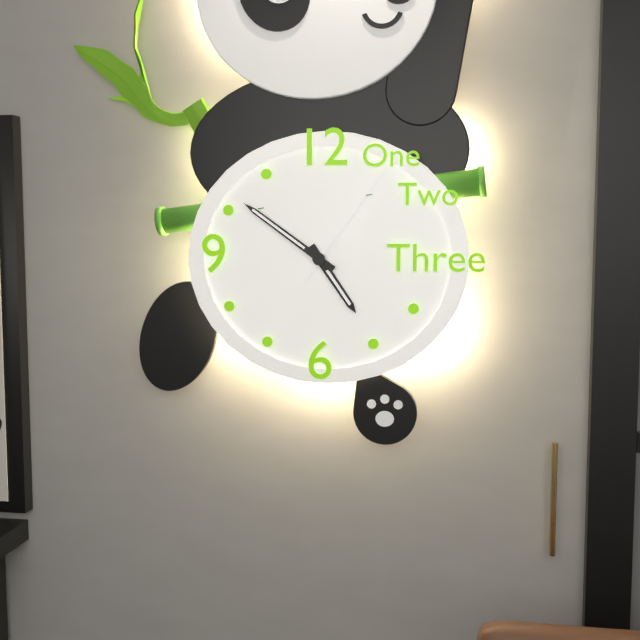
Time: **4:51:06**
